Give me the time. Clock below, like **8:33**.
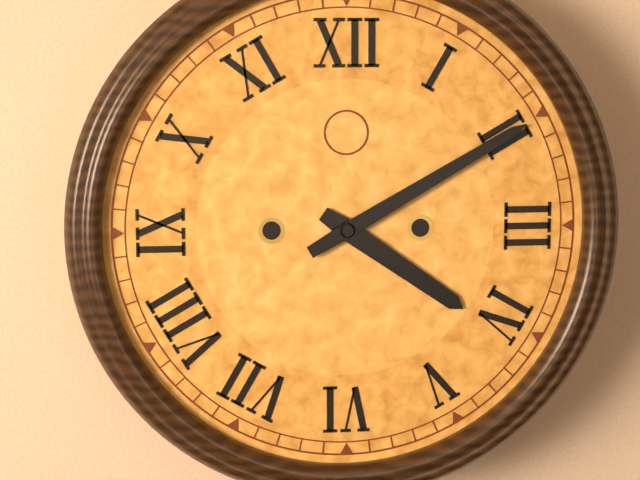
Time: **4:10**
